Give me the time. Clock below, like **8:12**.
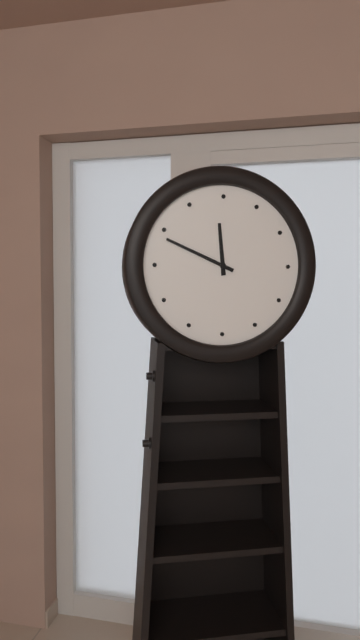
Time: **11:49**
